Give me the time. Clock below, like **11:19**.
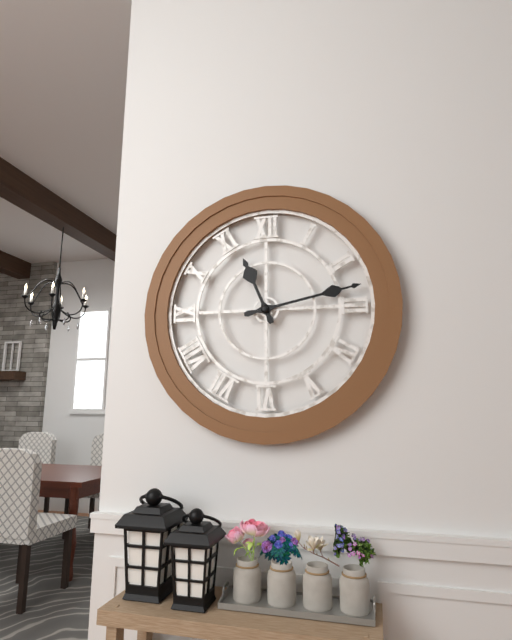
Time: **11:13**
